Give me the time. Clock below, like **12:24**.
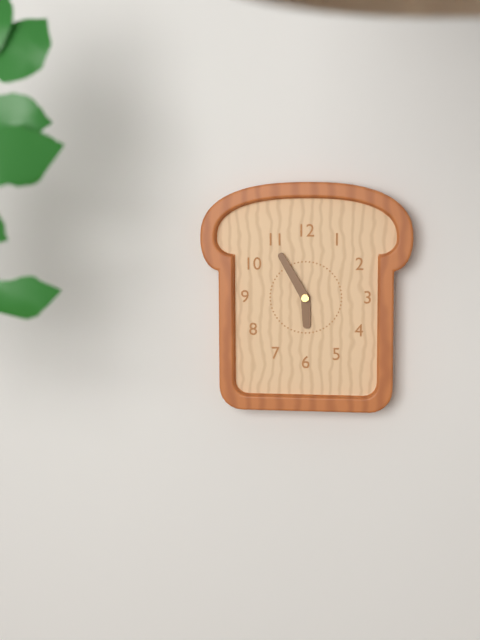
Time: **5:55**
